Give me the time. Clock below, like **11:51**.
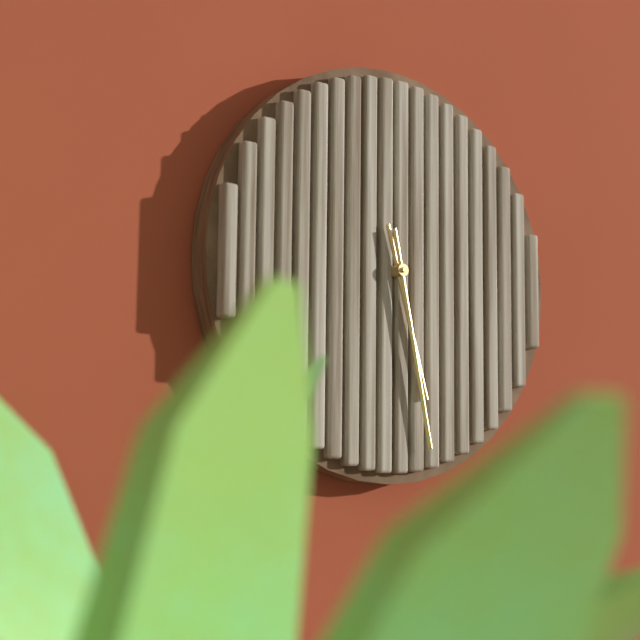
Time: **5:28**
